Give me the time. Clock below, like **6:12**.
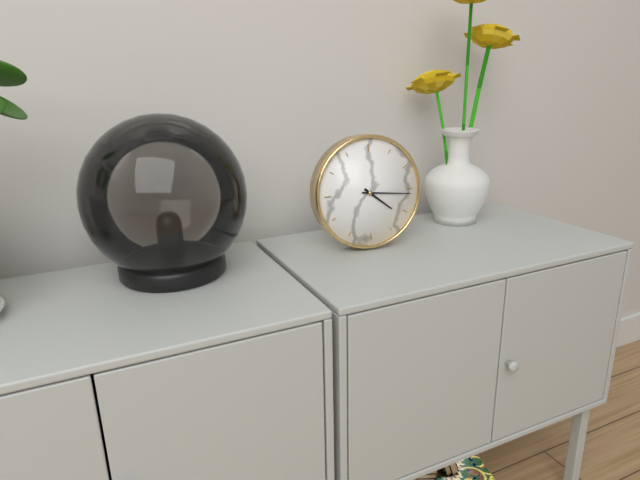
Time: **4:16**
